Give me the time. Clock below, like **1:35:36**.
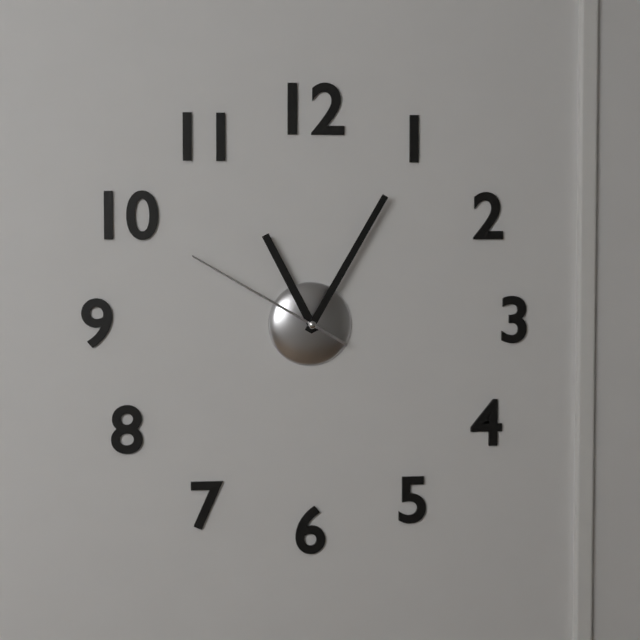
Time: **11:05:50**
